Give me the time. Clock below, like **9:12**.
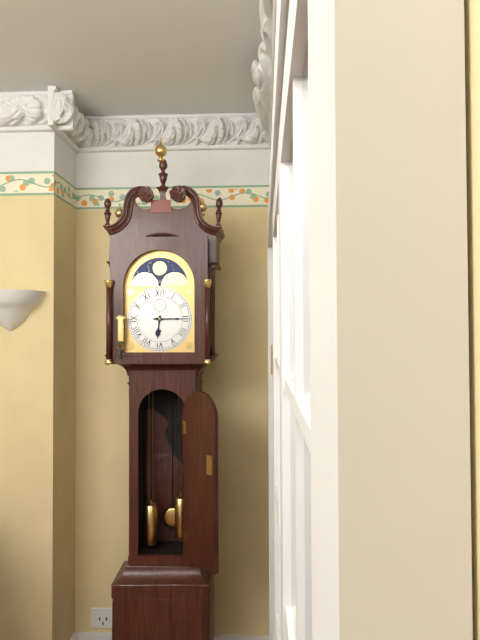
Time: **6:15**
